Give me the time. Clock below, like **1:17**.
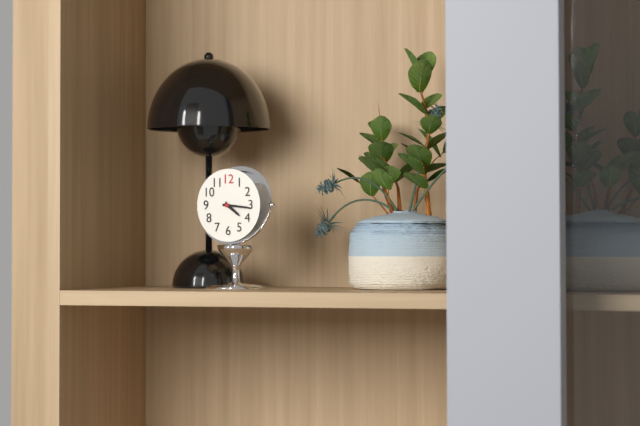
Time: **4:16**
